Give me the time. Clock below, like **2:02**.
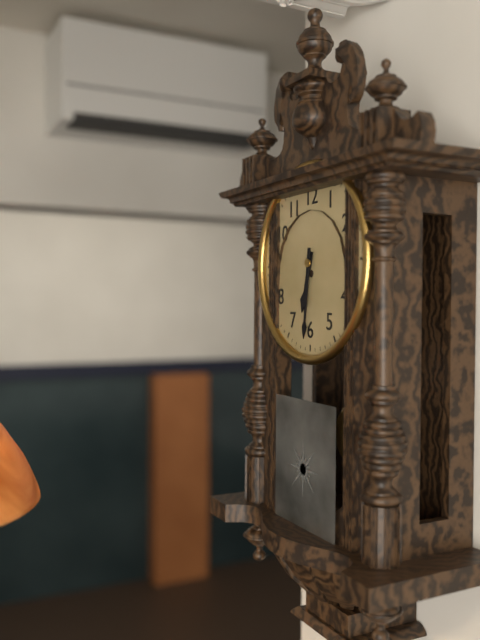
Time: **6:31**
